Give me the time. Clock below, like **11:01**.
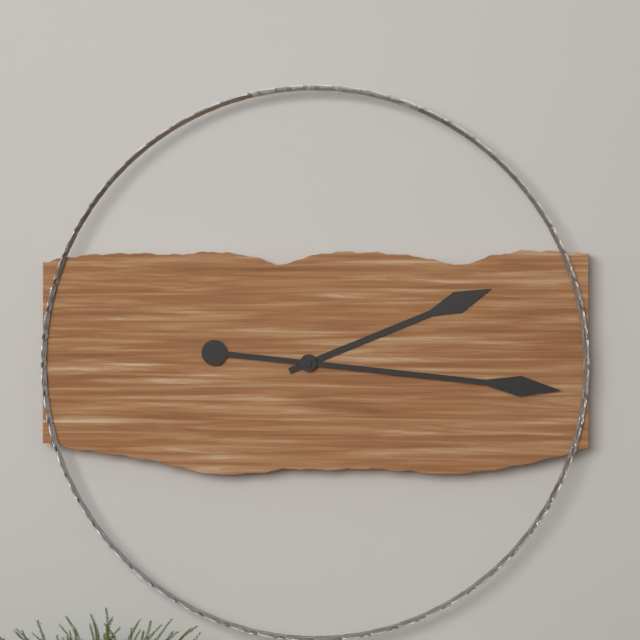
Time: **2:16**
